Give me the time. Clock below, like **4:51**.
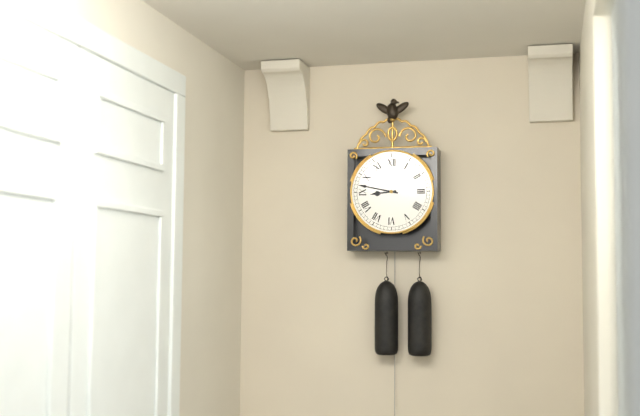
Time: **8:47**
